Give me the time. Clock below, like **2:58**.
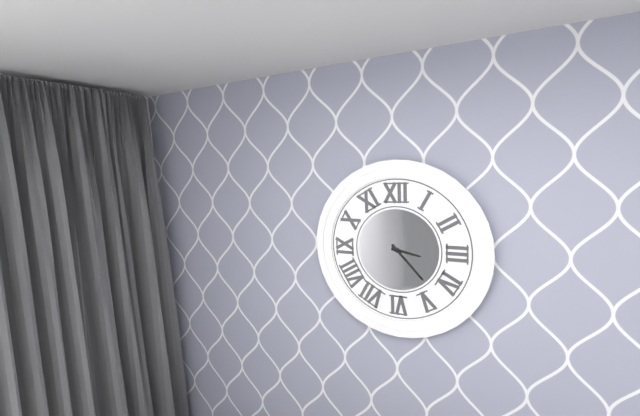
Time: **3:23**
